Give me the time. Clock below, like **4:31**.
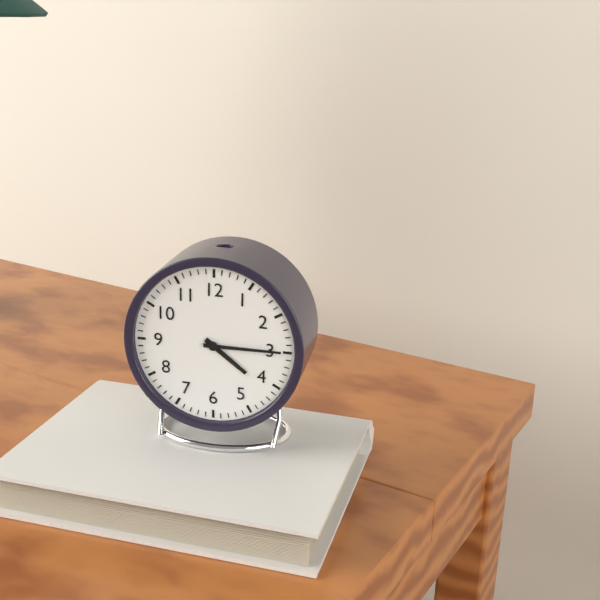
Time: **4:15**
